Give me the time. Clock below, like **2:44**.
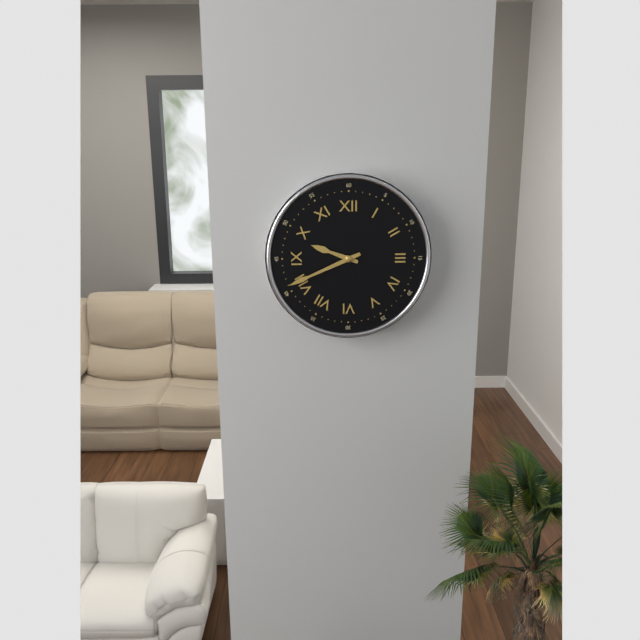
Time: **9:41**
